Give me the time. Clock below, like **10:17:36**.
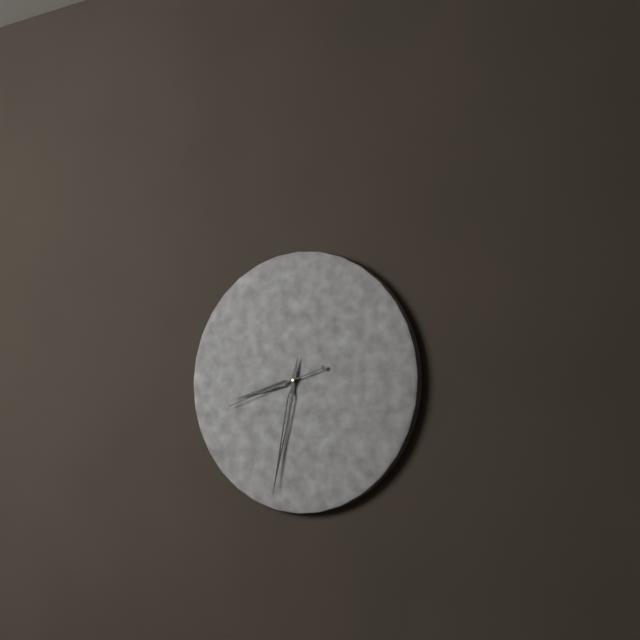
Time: **8:32:42**
